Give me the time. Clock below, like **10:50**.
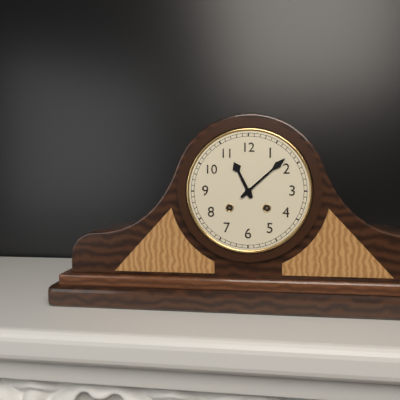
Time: **11:08**
